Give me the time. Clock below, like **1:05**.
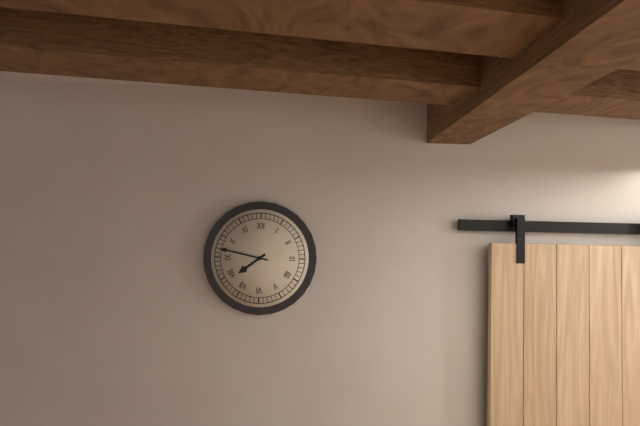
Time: **7:47**
